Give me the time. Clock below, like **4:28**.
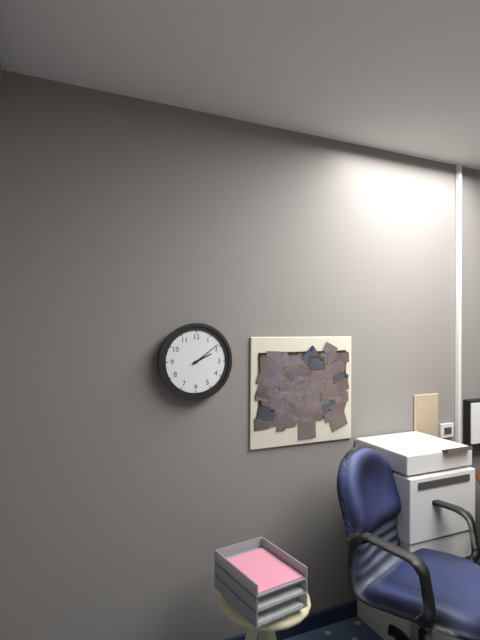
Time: **2:09**
